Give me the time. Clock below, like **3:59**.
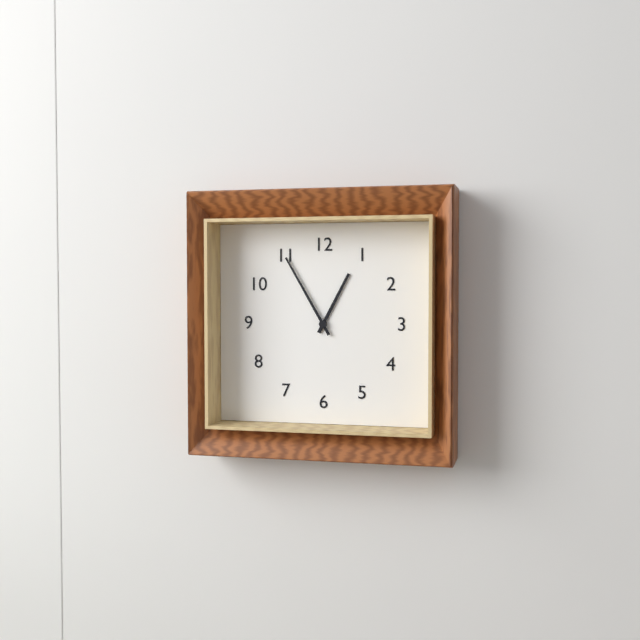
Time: **12:55**
